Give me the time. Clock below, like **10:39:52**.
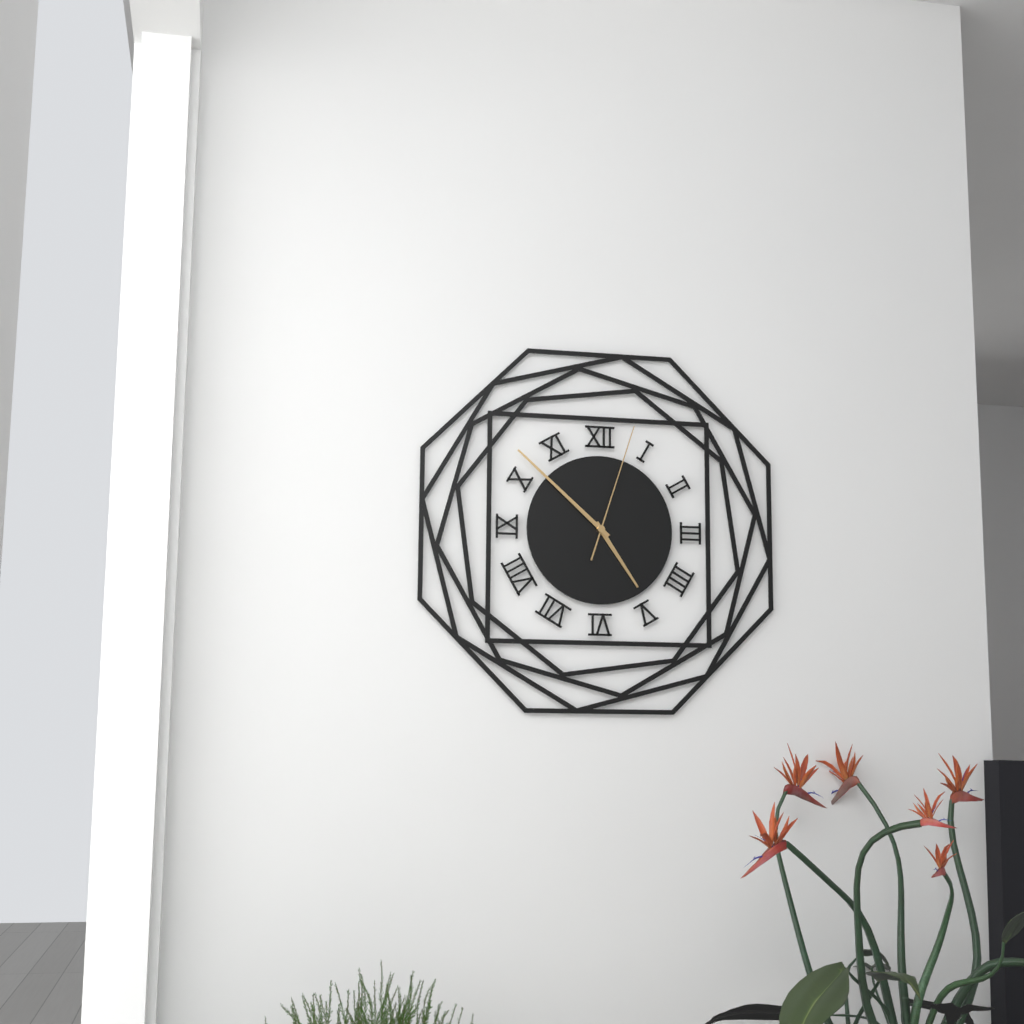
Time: **4:52:03**
